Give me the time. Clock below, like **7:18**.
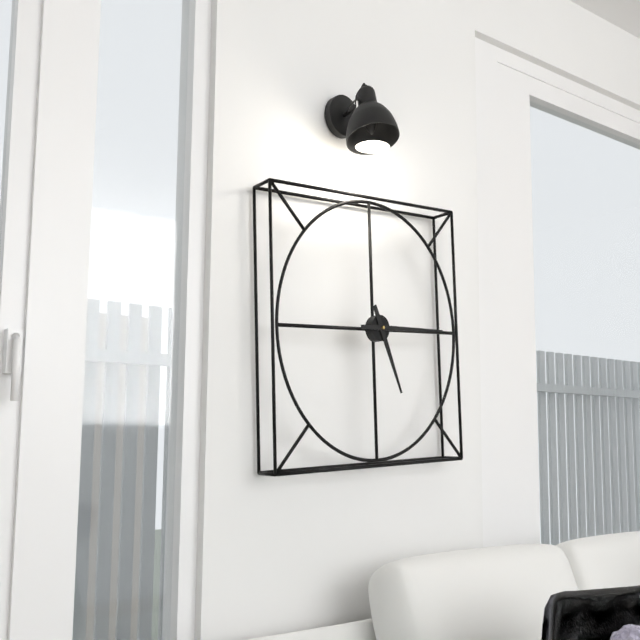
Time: **5:15**
